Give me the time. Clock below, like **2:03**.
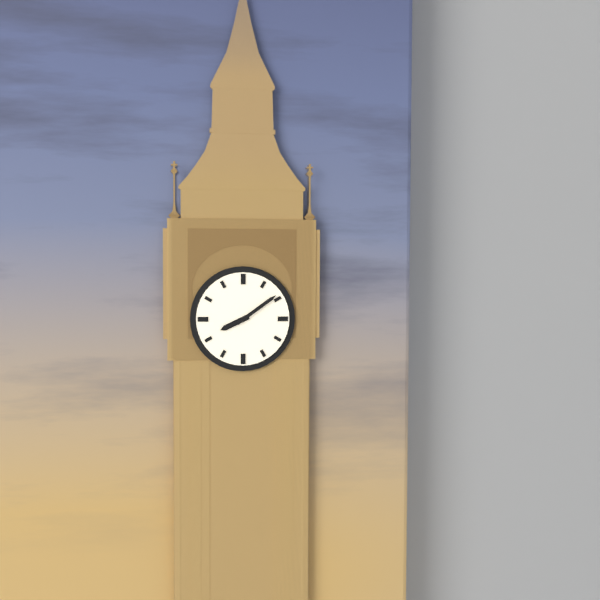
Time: **8:09**
